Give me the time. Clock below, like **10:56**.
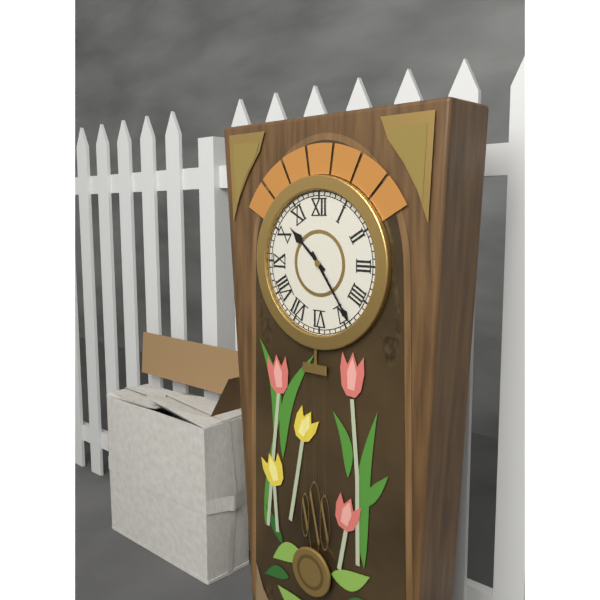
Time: **10:24**
